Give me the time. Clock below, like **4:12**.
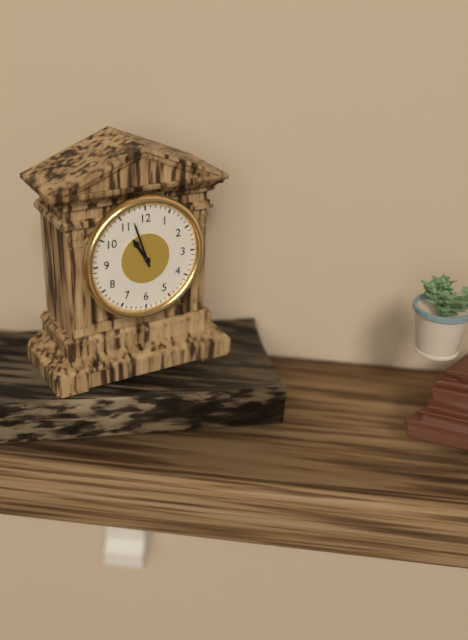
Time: **10:57**
